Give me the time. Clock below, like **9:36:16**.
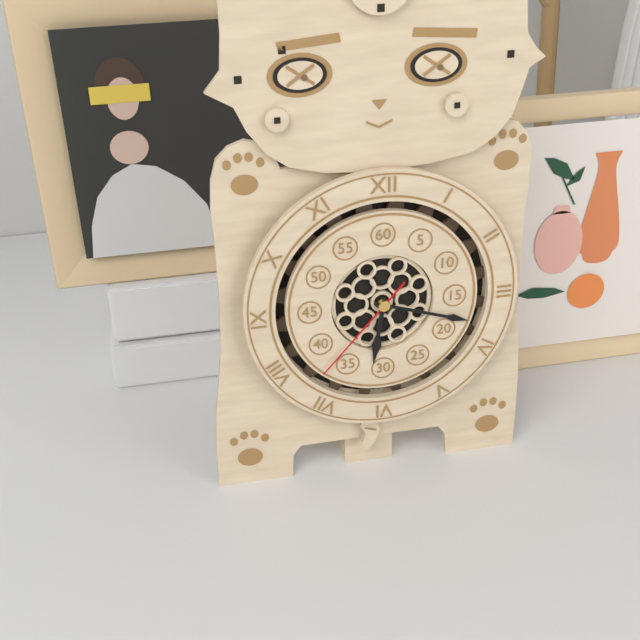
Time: **6:18:37**
